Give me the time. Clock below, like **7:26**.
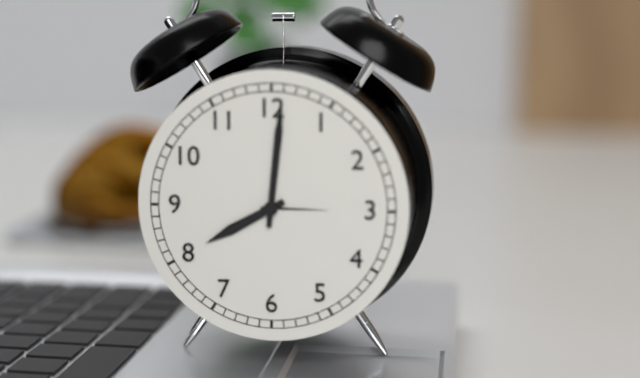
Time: **8:01**
